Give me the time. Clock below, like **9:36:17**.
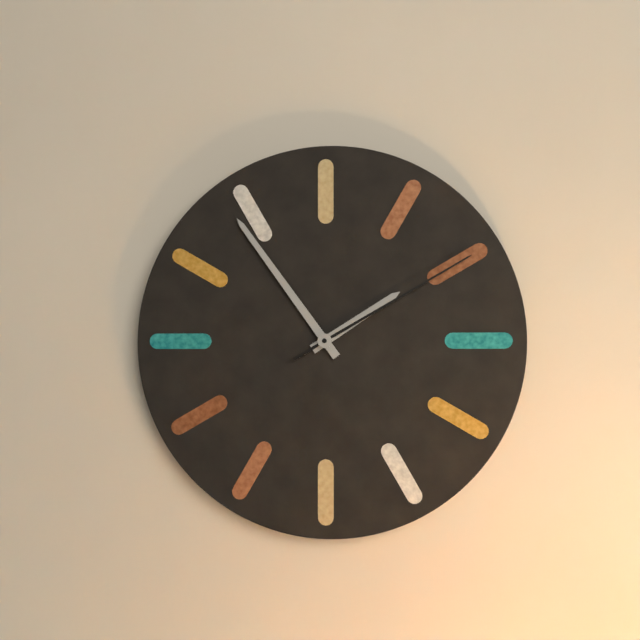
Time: **1:54:10**
